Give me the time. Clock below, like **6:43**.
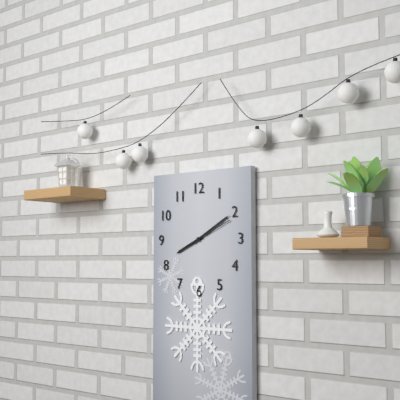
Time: **8:10**
